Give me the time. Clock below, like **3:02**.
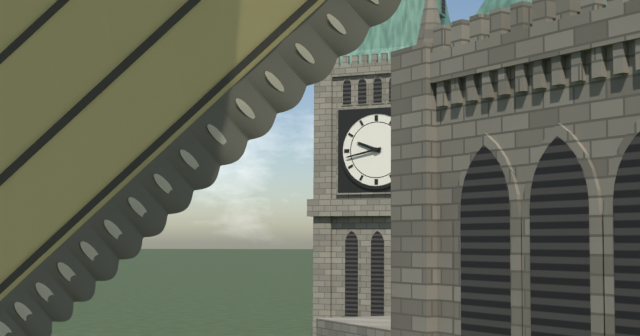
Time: **9:43**
